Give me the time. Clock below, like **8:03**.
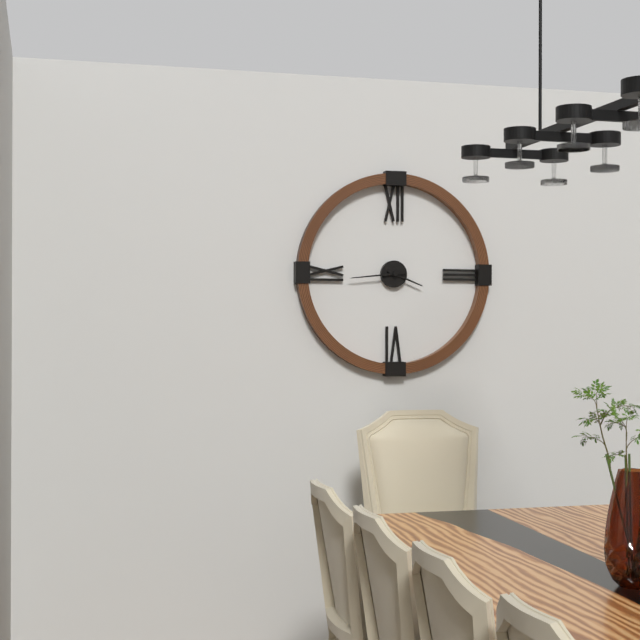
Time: **3:44**
